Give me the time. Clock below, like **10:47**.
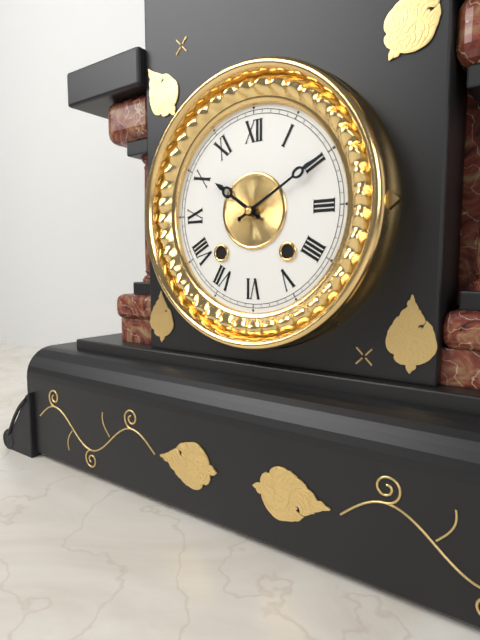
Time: **10:10**
